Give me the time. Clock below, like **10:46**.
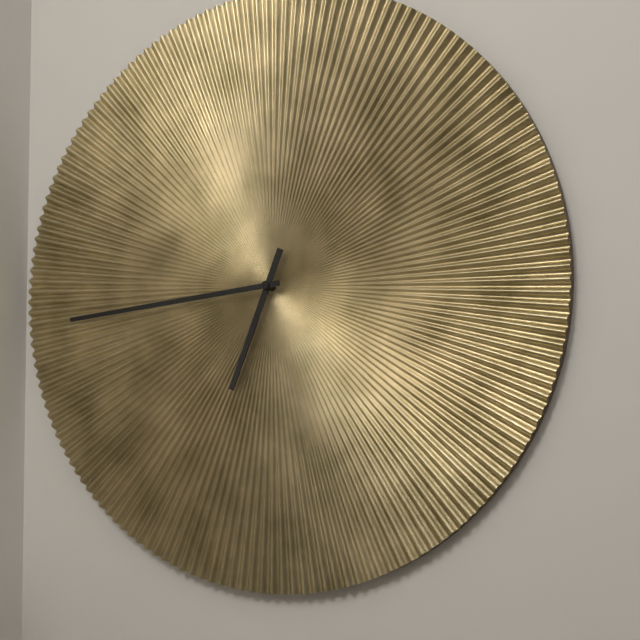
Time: **6:44**
